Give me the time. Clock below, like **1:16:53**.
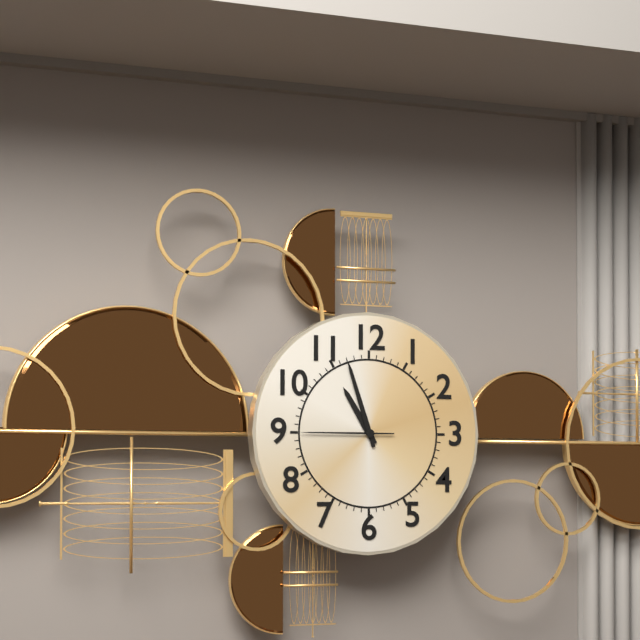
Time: **10:57:45**
